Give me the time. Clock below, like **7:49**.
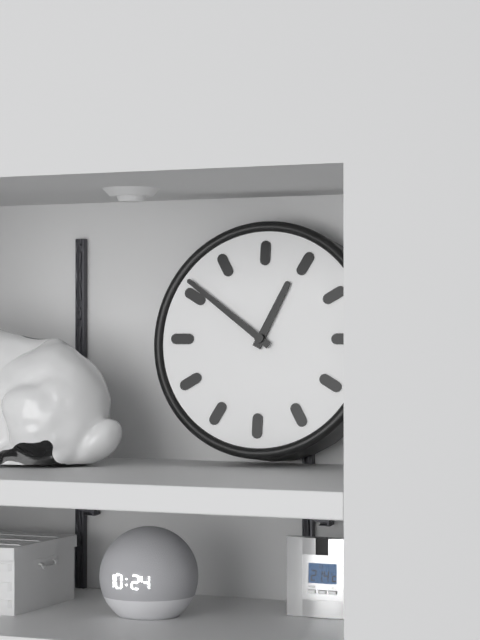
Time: **12:51**
